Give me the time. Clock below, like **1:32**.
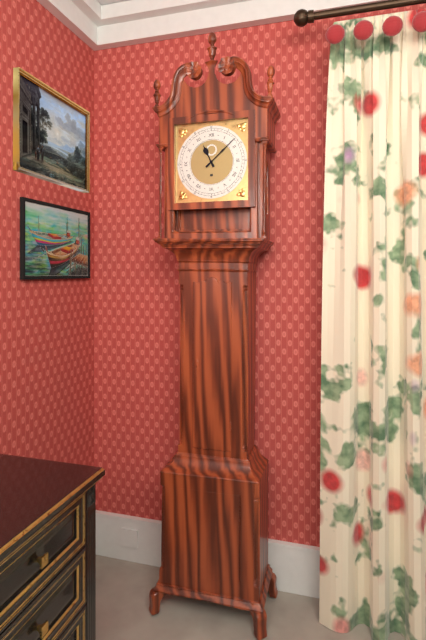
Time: **11:08**
